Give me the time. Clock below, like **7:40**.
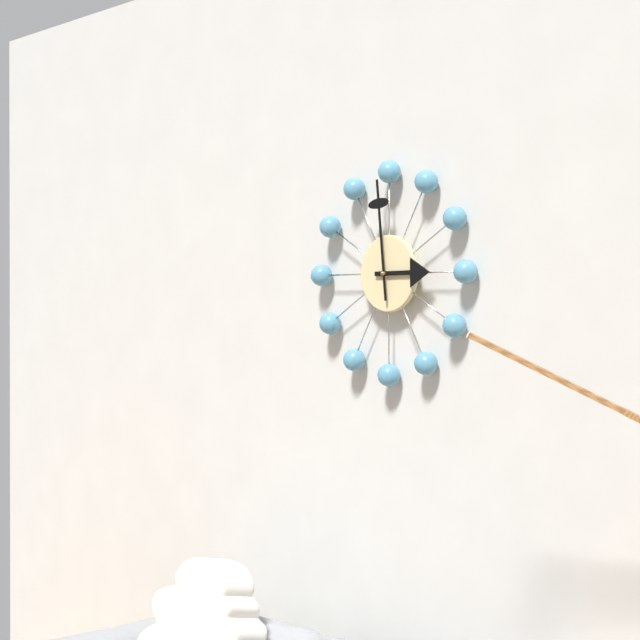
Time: **2:59**
